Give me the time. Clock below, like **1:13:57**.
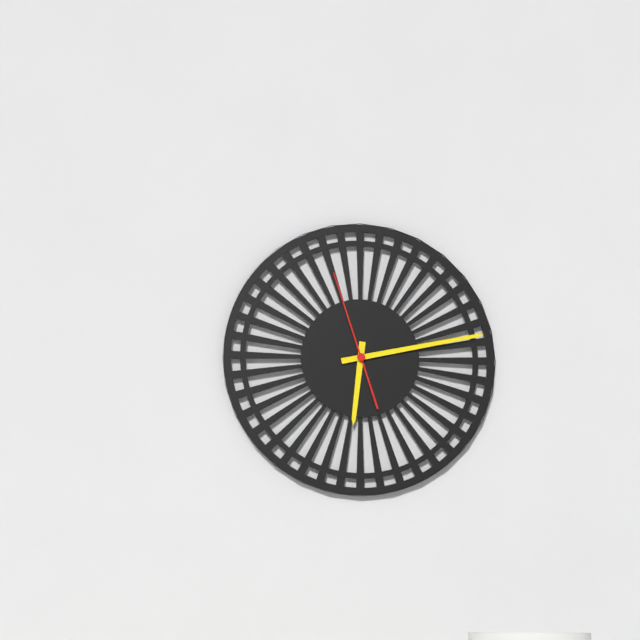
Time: **6:13:57**
